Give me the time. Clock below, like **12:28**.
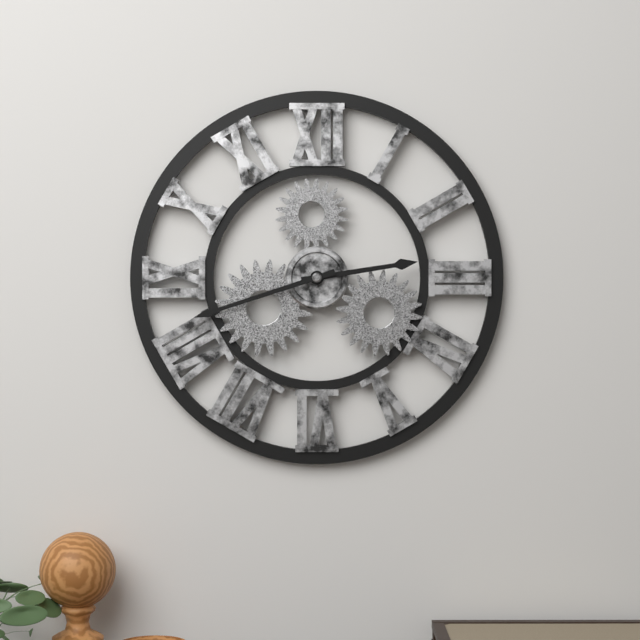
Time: **2:42**
